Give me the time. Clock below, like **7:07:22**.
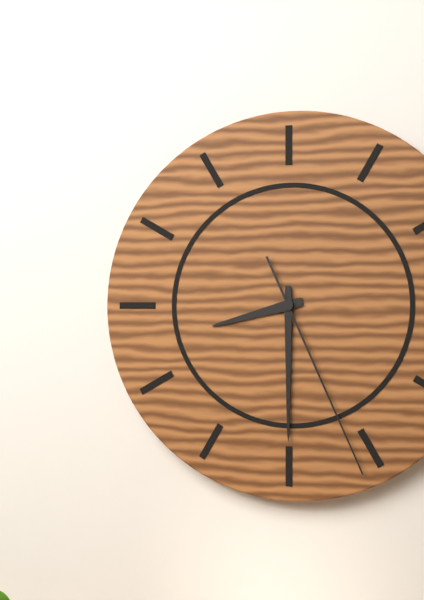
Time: **8:30:26**
